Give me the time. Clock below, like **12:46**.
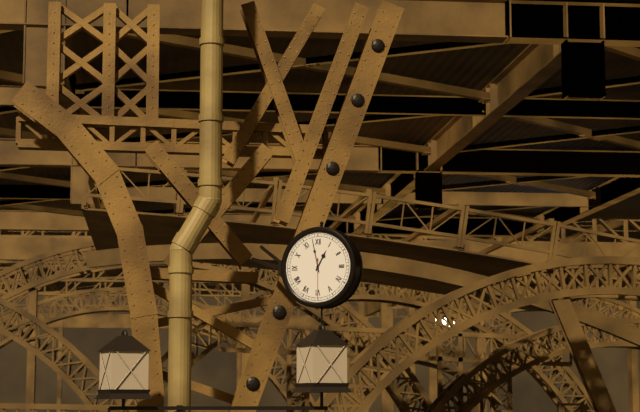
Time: **12:58**
